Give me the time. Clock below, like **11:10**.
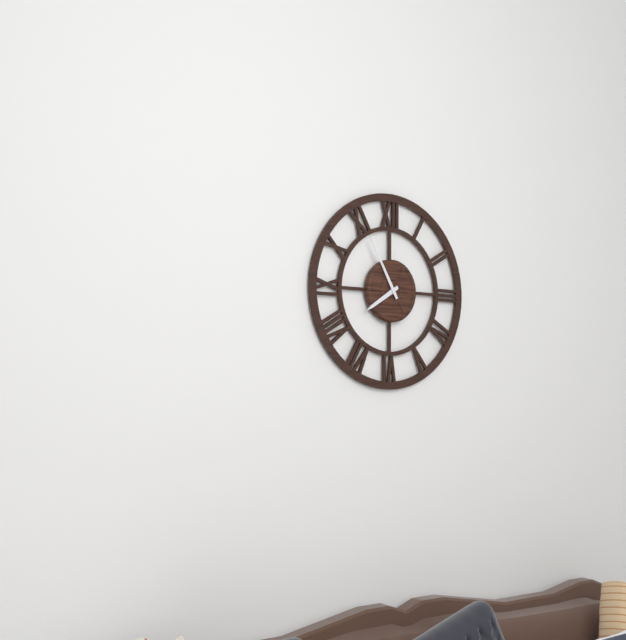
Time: **7:55**
